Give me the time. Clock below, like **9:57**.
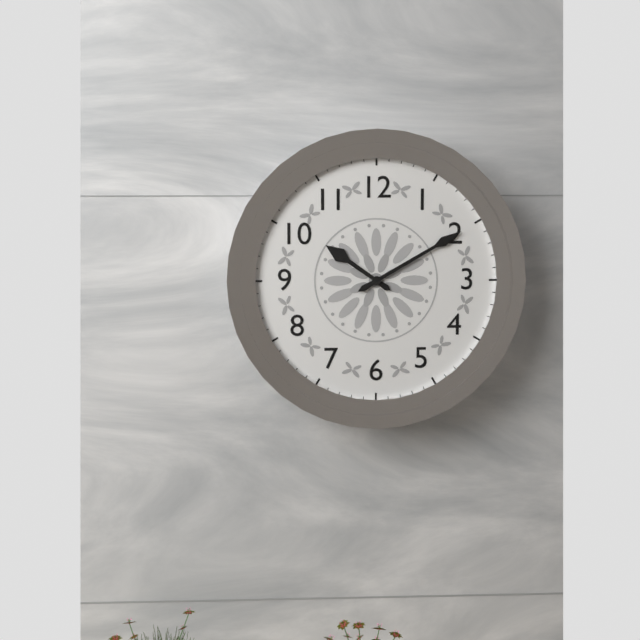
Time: **10:10**
